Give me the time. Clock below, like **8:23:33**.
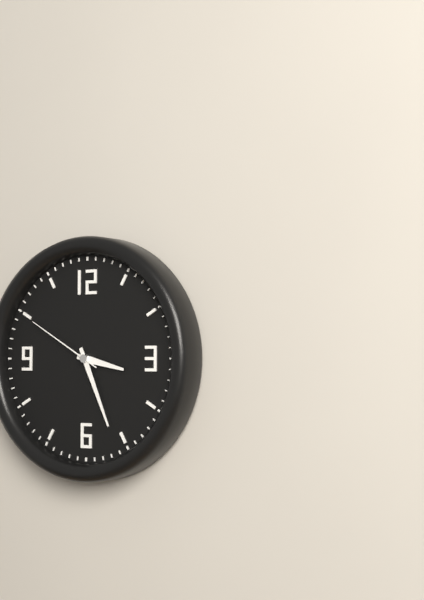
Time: **3:26:50**
